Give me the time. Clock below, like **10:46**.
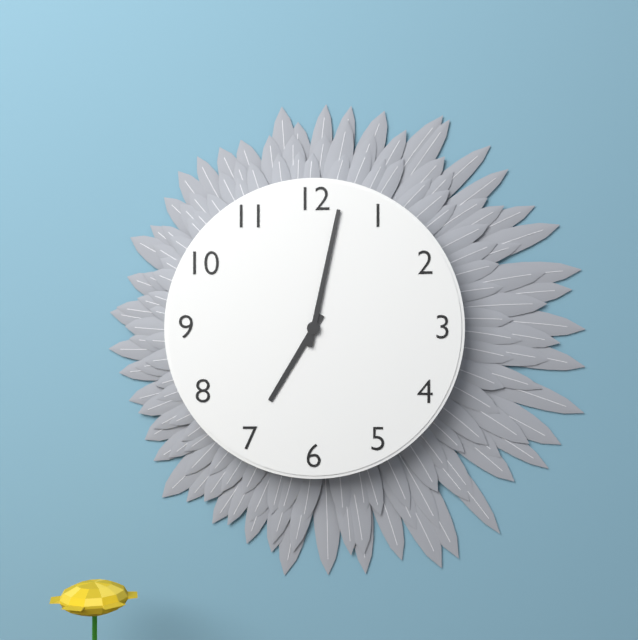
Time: **7:02**
